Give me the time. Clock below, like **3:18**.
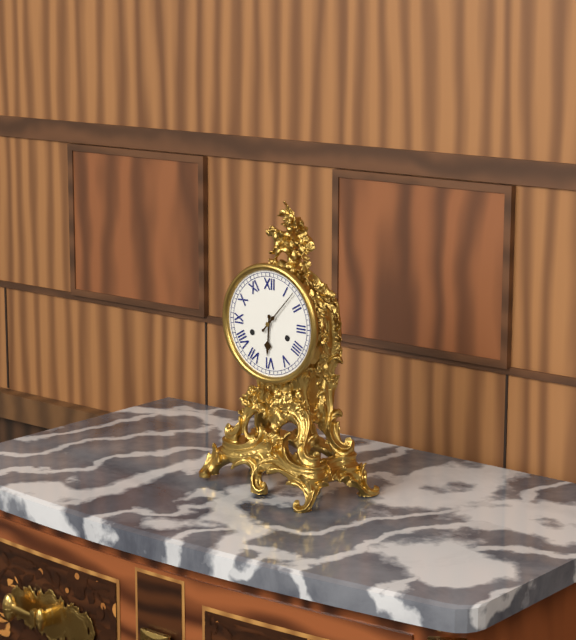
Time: **6:07**
